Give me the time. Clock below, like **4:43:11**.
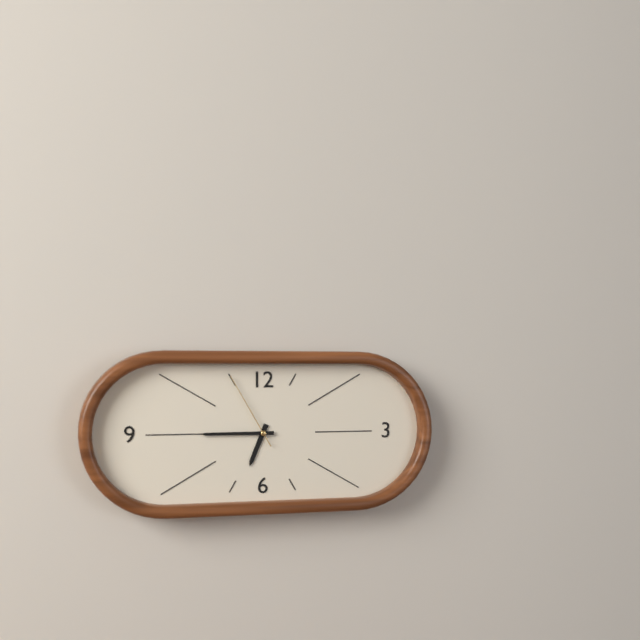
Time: **6:45:55**
